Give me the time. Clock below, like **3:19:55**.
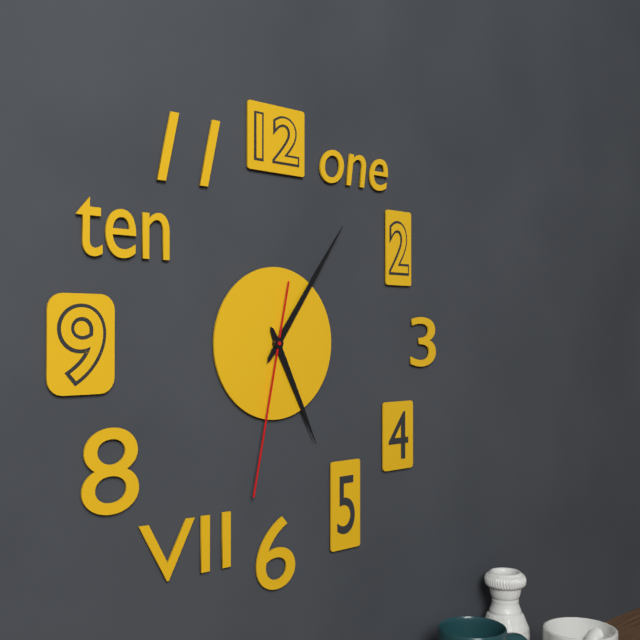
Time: **5:06:32**
